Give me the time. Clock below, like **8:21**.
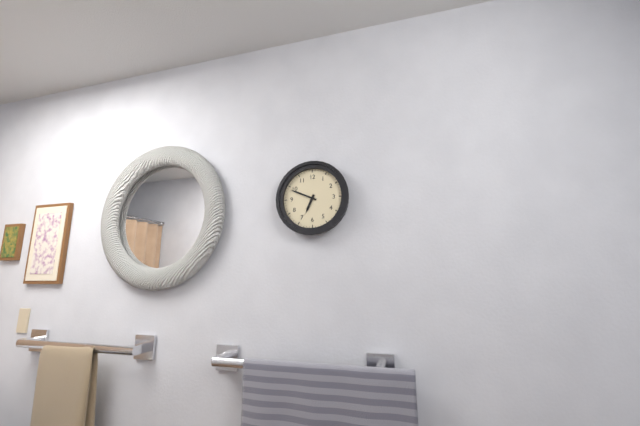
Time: **6:49**
